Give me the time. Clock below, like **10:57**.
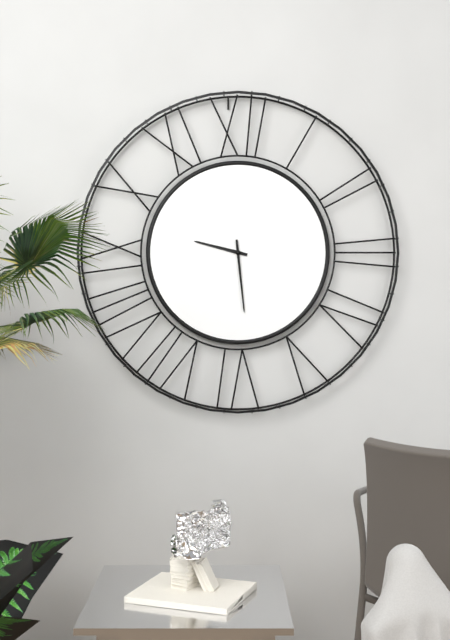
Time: **9:29**
